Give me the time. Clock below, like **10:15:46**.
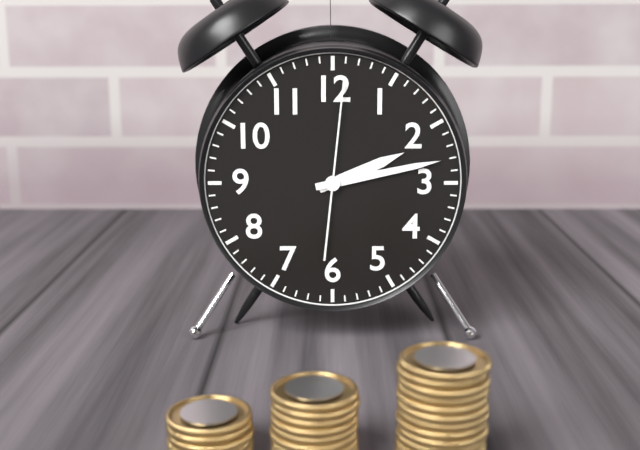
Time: **2:13:01**
